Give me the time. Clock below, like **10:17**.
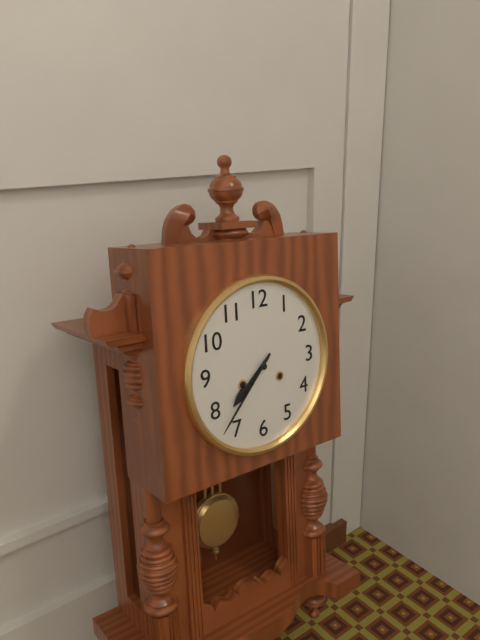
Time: **7:37**
